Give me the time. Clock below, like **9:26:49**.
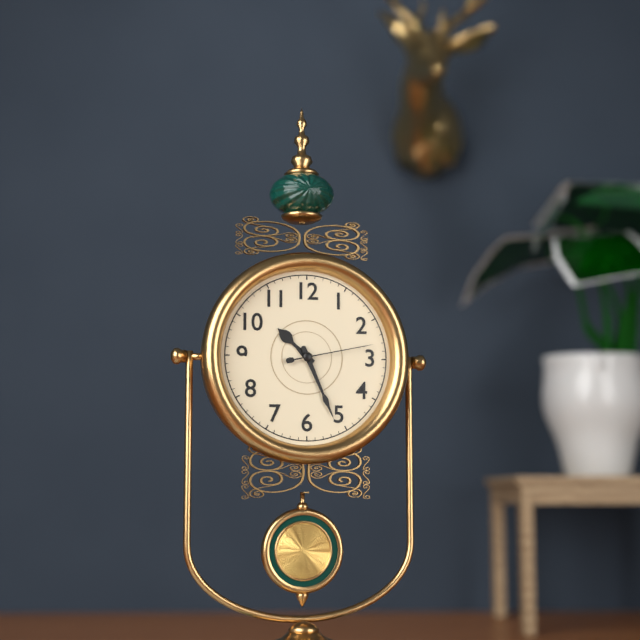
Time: **10:26:13**
